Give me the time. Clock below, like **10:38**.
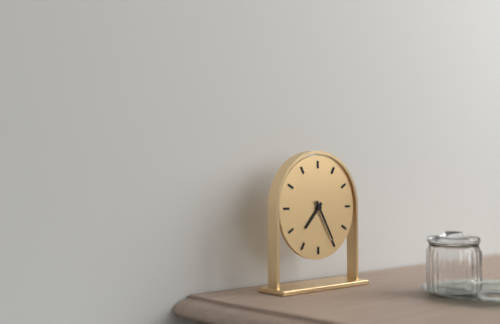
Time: **7:25**
